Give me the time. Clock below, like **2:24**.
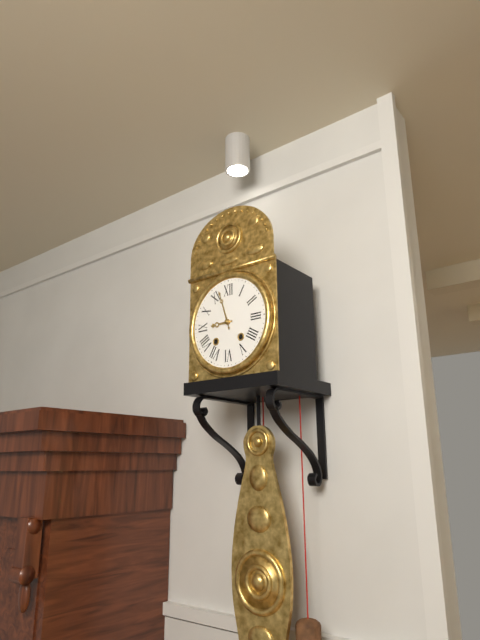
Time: **8:57**
